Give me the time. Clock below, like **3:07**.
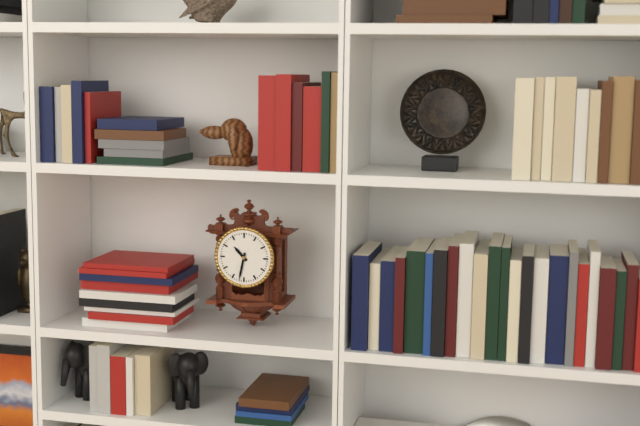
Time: **10:32**
